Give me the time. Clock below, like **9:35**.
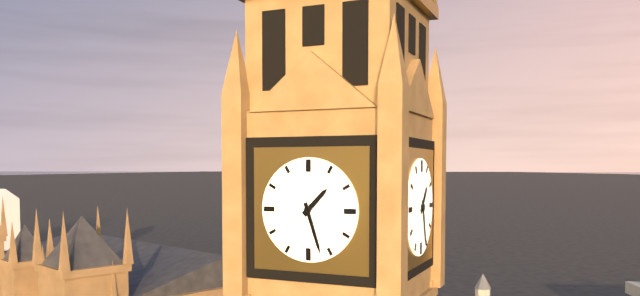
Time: **1:27**
